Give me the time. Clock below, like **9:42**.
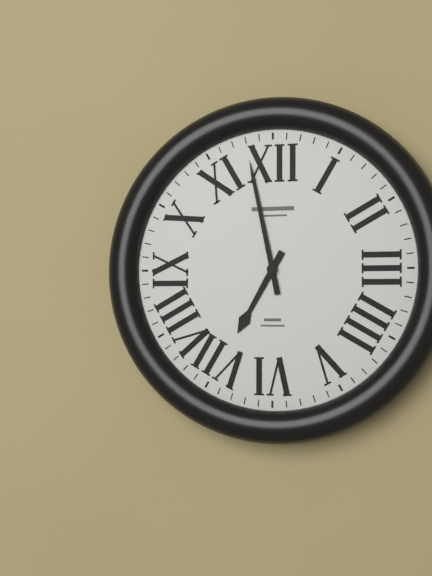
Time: **6:58**
